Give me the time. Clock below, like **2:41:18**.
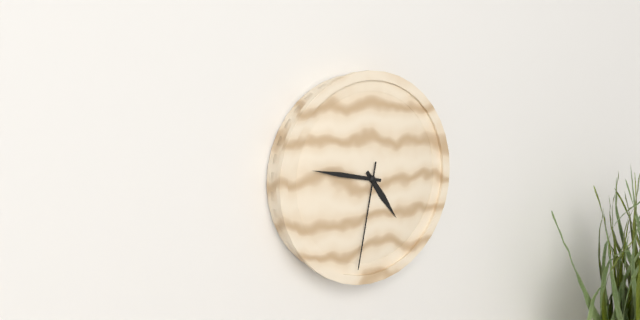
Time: **4:47:32**
